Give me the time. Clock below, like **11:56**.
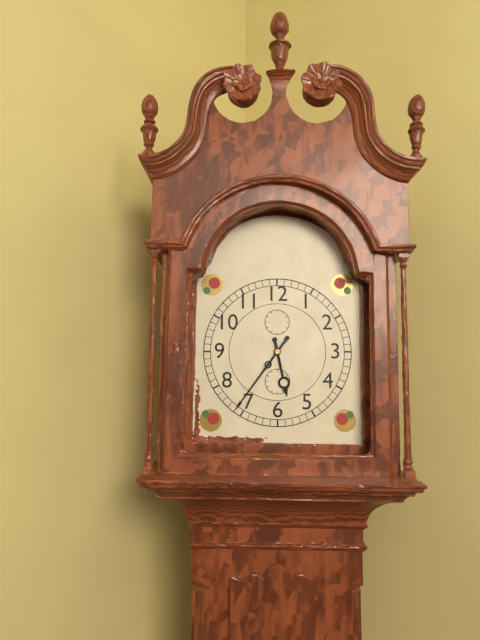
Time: **5:36**
